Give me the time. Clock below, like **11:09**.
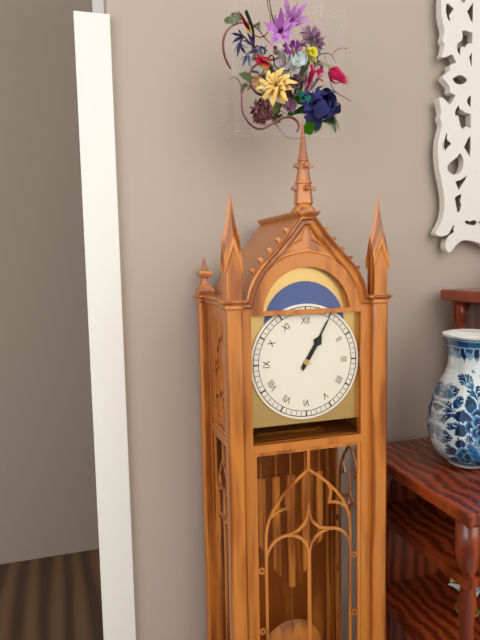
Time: **1:05**
